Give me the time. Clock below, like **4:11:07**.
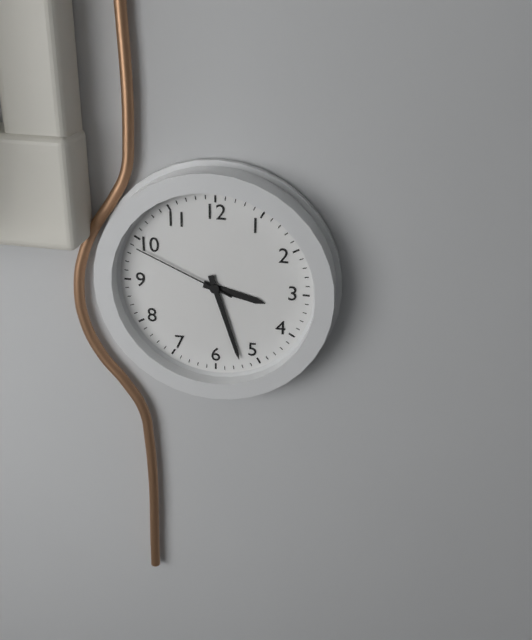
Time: **3:27:49**
